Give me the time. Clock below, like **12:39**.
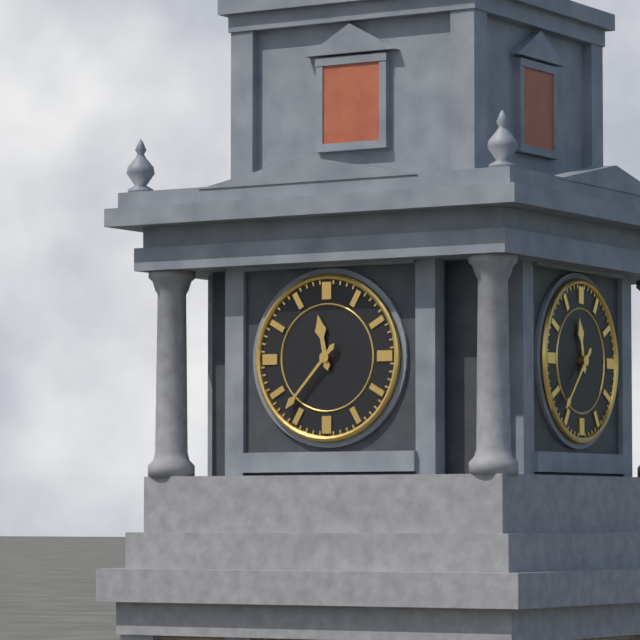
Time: **11:37**
